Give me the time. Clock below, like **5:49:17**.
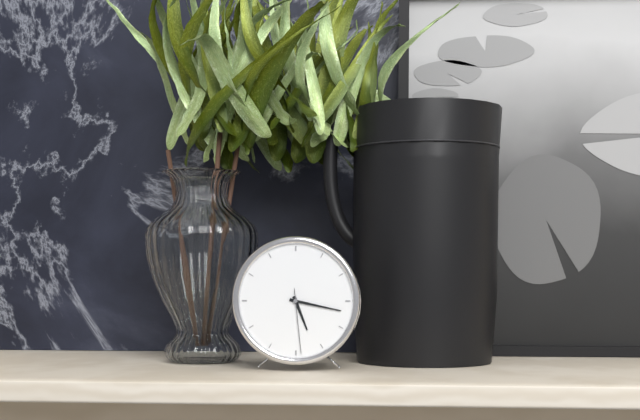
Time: **5:17:29**
